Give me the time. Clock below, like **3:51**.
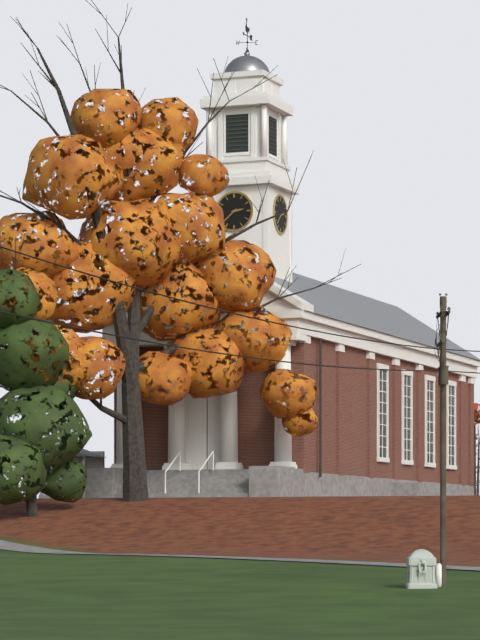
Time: **2:38**
